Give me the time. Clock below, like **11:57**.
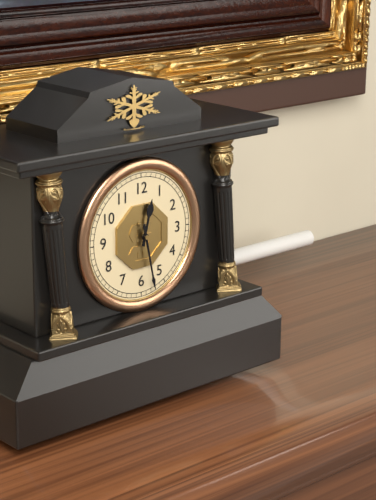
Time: **12:28**
